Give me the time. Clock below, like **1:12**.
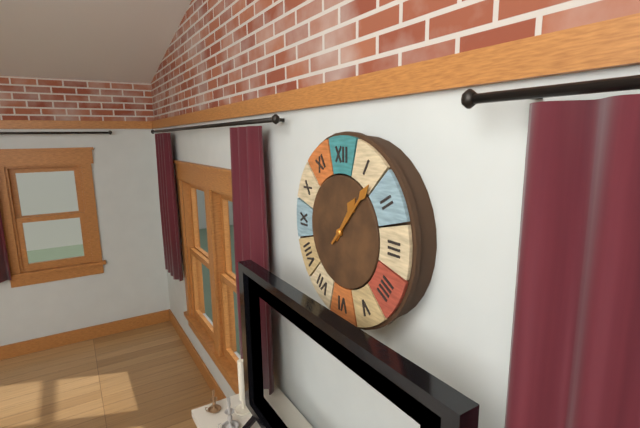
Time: **1:07**
